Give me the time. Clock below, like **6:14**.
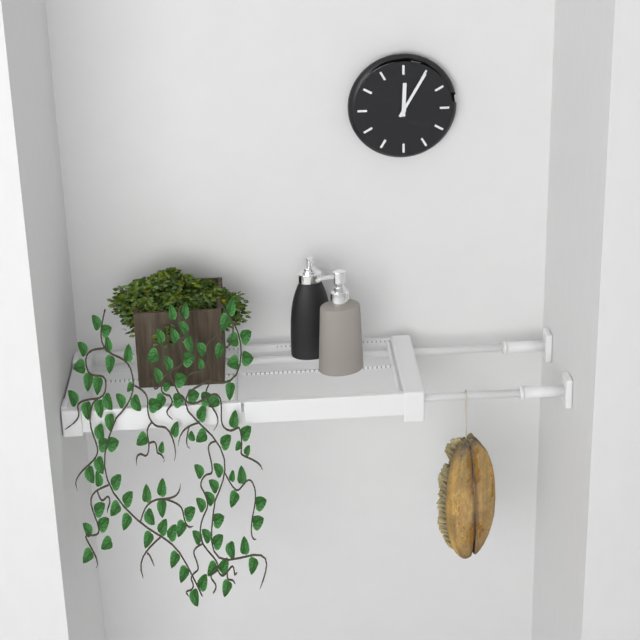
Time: **12:05**
